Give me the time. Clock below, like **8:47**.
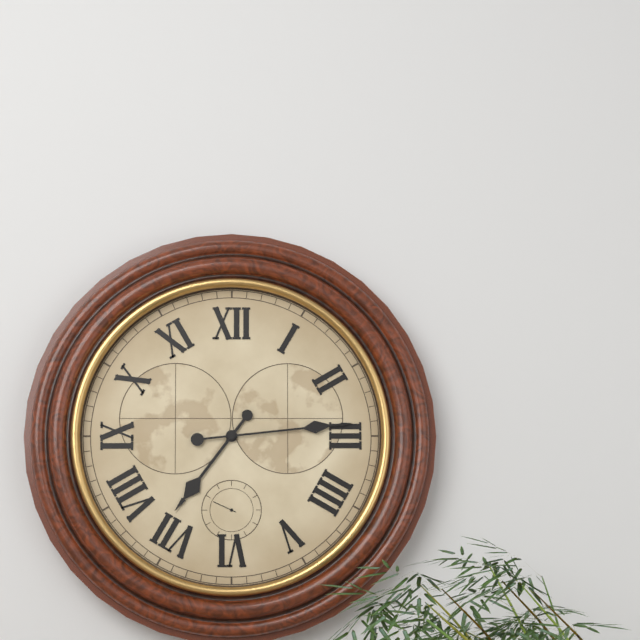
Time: **7:14**
